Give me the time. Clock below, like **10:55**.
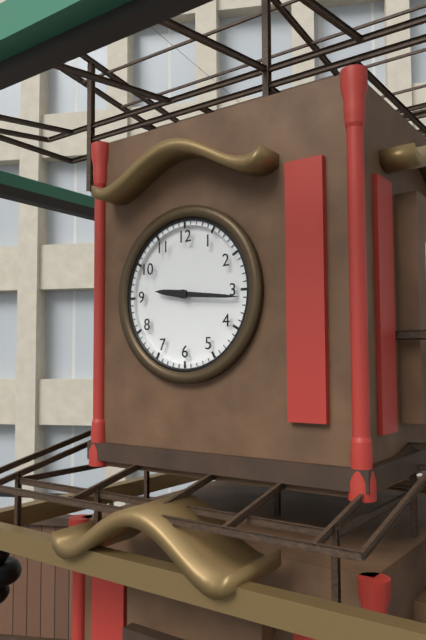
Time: **9:16**
